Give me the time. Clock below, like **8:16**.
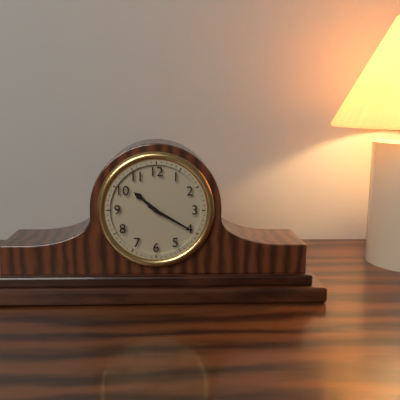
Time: **10:20**
